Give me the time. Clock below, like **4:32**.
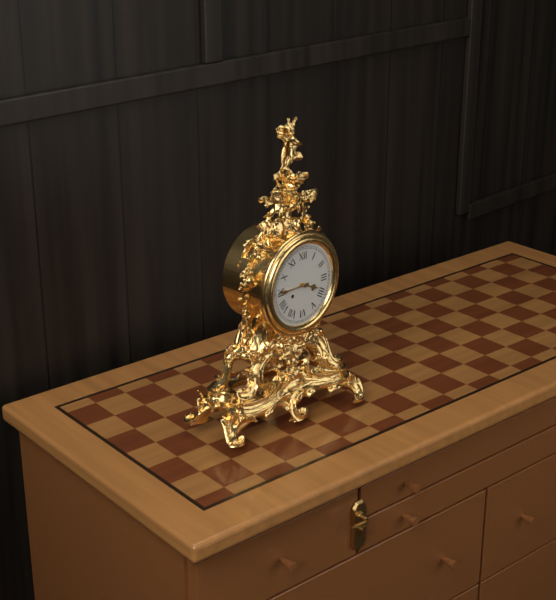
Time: **3:45**
